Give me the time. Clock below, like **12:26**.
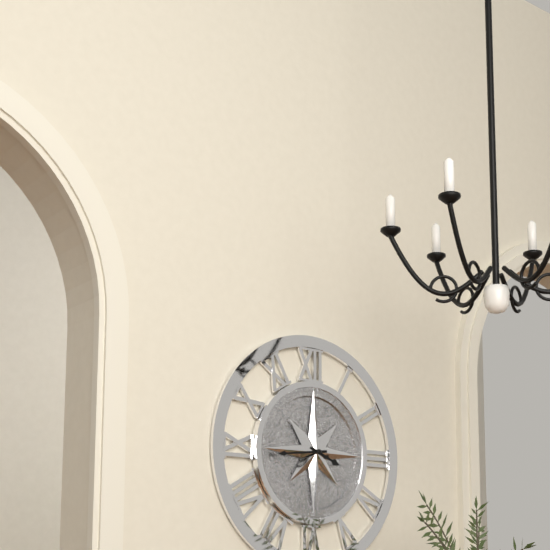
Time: **3:44**
